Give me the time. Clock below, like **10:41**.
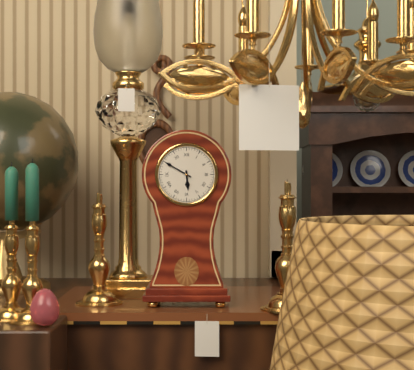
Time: **5:50**
